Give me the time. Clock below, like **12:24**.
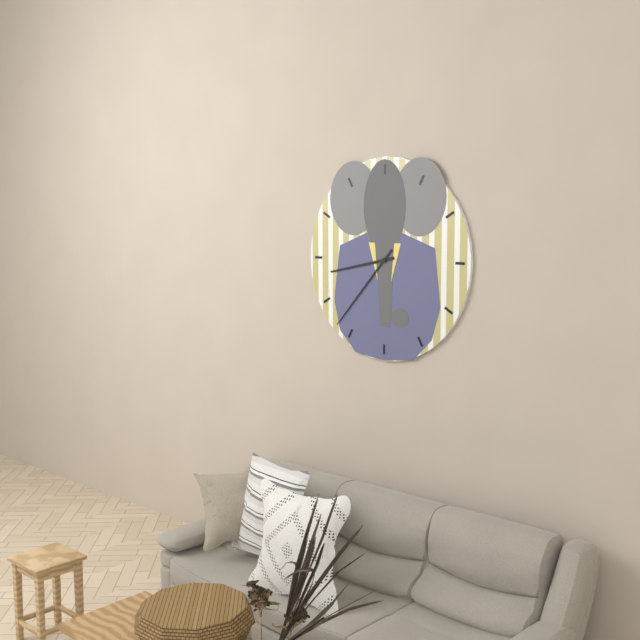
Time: **8:37**
